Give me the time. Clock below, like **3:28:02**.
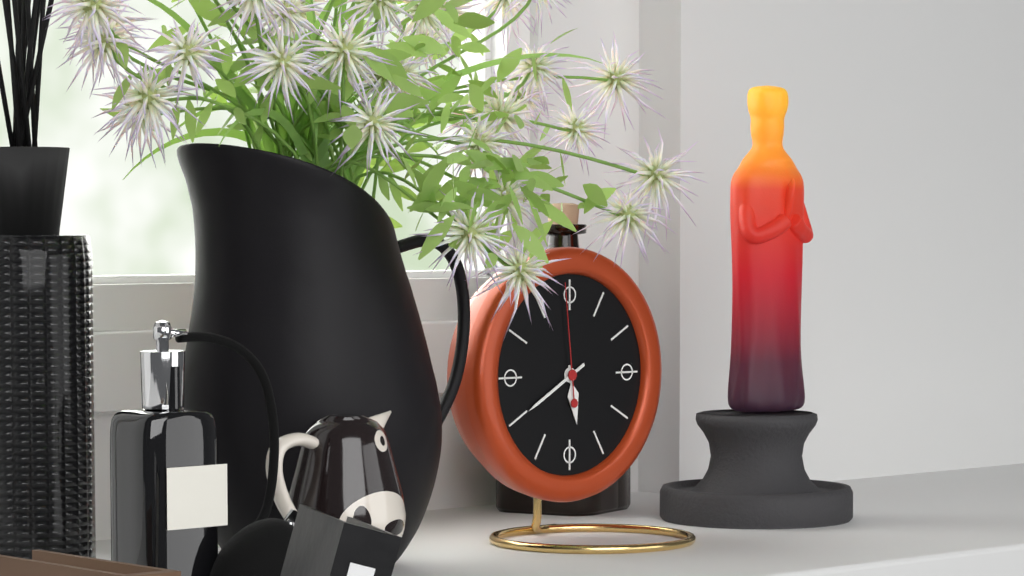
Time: **5:40:59**
